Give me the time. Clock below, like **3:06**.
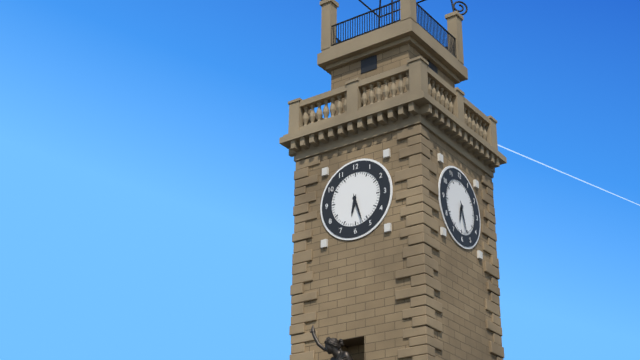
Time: **6:27**
